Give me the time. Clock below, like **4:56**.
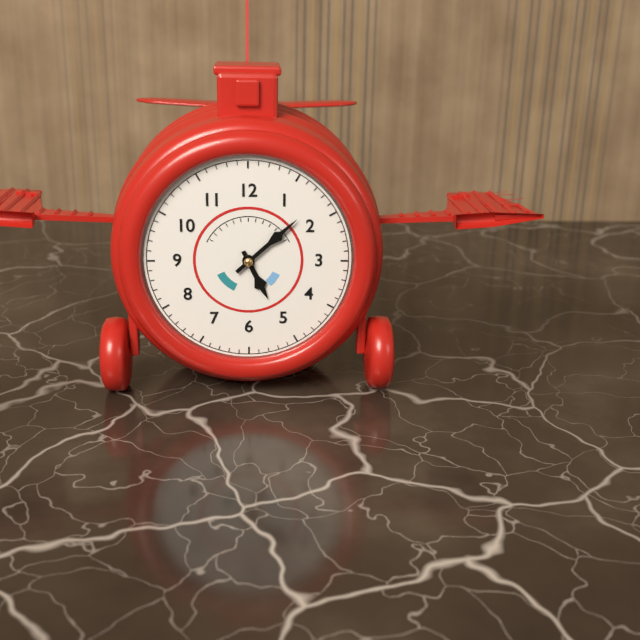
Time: **5:08**
